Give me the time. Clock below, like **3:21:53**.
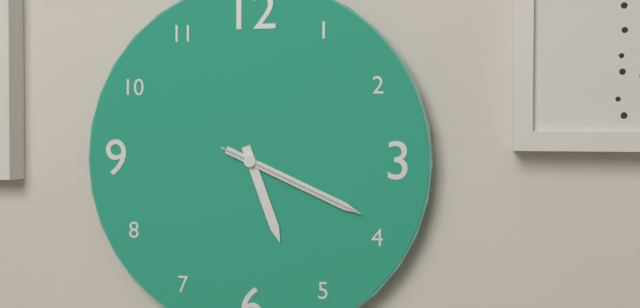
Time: **5:19:19**
